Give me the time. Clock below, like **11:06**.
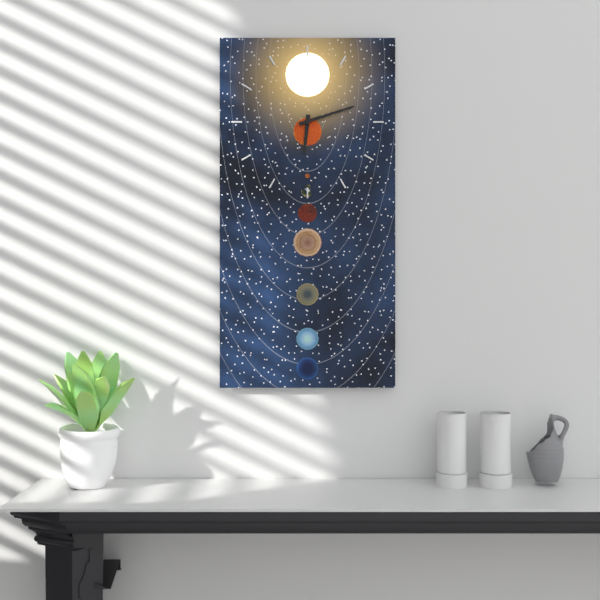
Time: **6:12**
